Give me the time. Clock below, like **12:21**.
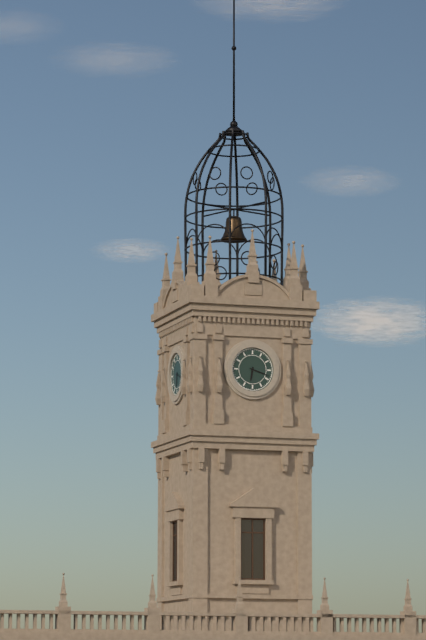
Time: **6:18**
